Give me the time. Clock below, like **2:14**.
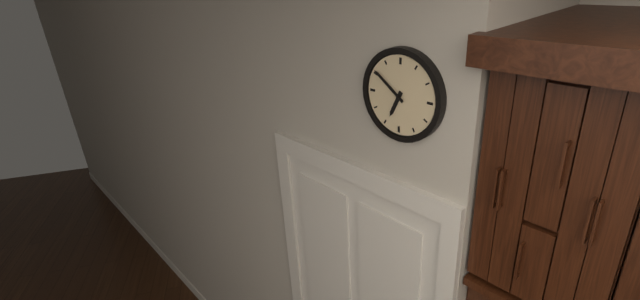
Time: **6:51**
